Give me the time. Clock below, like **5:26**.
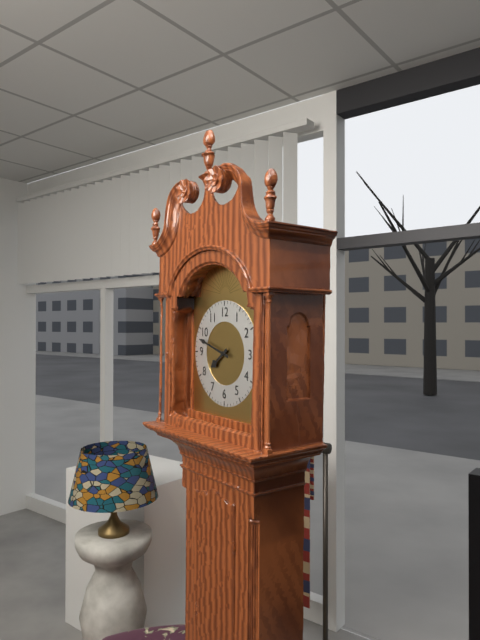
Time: **7:48**
